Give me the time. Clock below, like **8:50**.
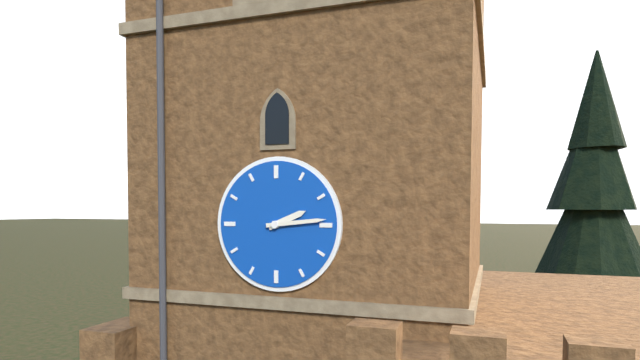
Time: **2:14**
